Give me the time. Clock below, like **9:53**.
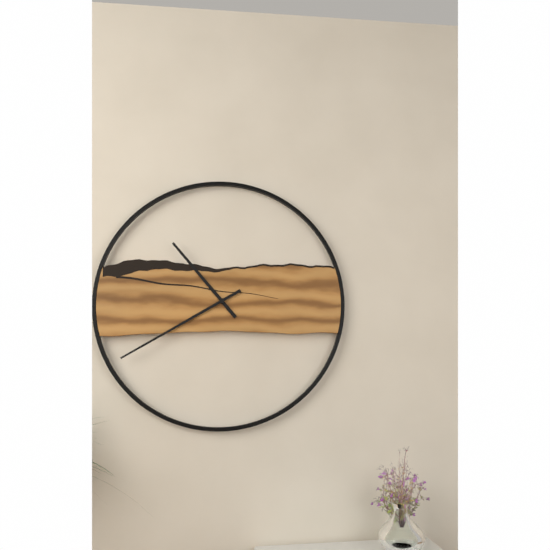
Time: **10:40**
